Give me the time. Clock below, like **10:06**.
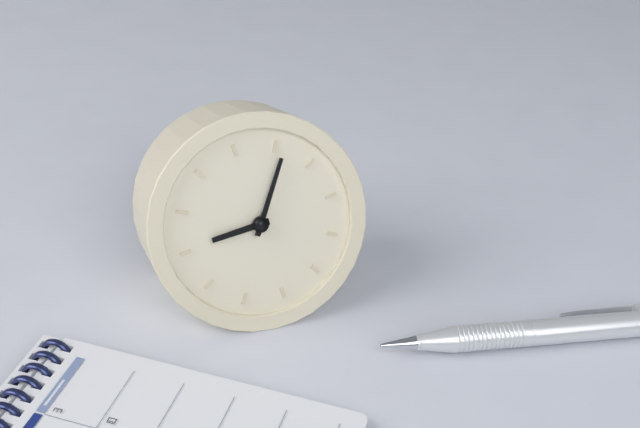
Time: **9:06**
